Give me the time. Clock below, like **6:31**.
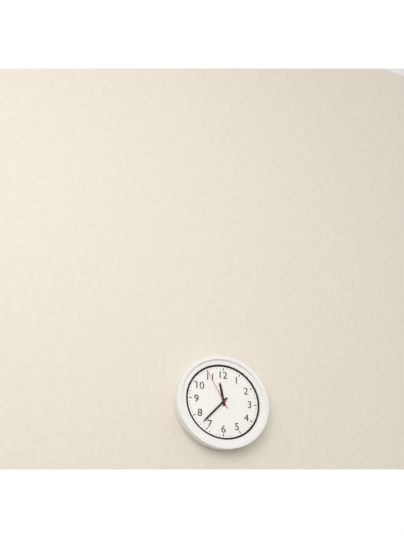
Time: **11:37**
